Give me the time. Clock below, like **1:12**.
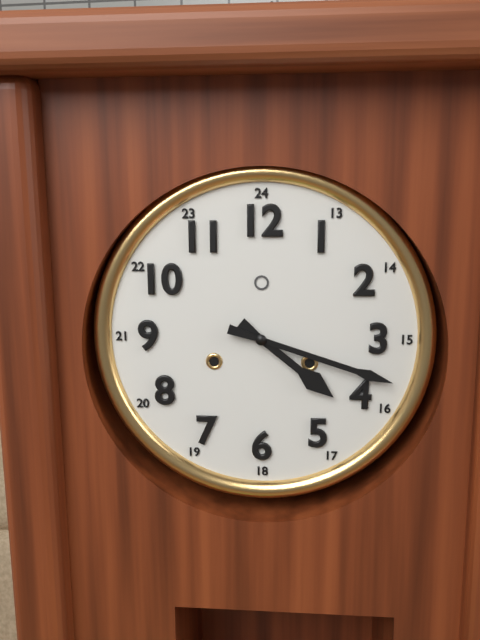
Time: **4:18**
